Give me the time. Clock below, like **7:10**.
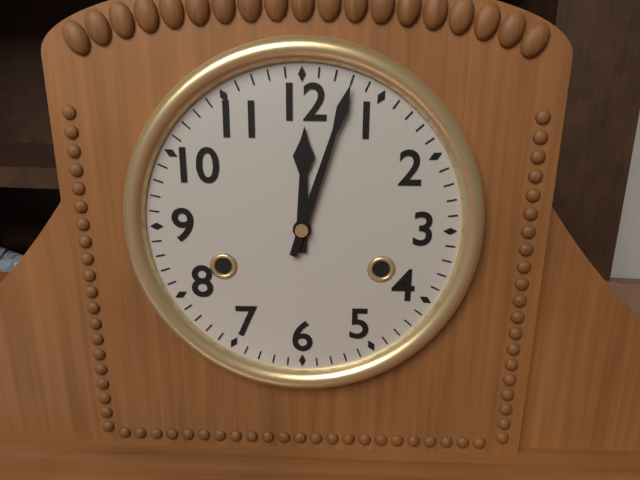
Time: **12:03**
